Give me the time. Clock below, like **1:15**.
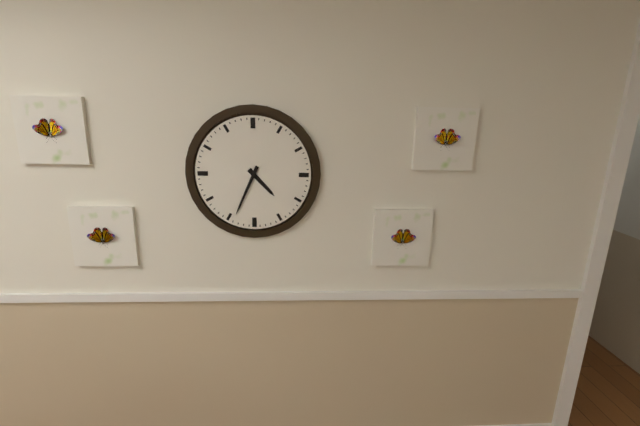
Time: **4:34**
